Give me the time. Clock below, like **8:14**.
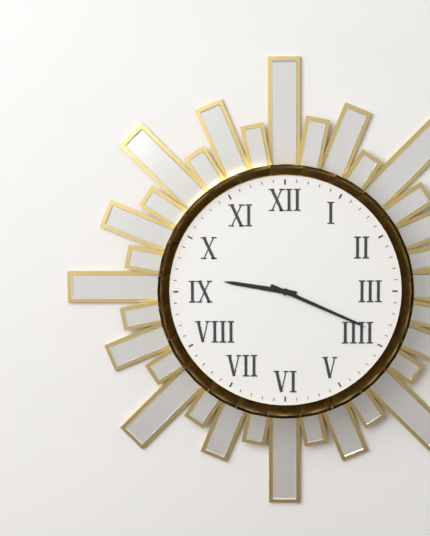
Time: **9:19**
